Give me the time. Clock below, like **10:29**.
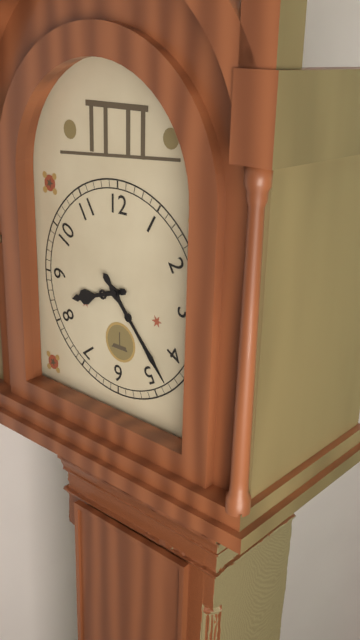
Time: **8:23**
